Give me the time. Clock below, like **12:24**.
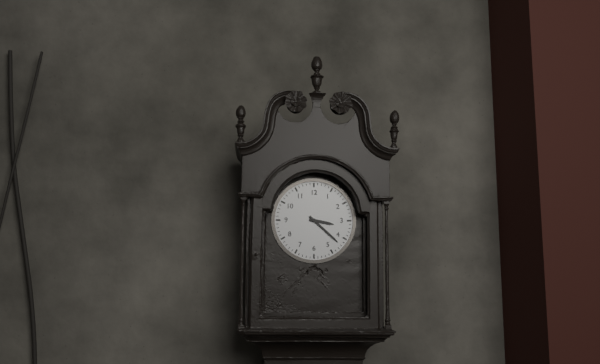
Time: **3:22**
